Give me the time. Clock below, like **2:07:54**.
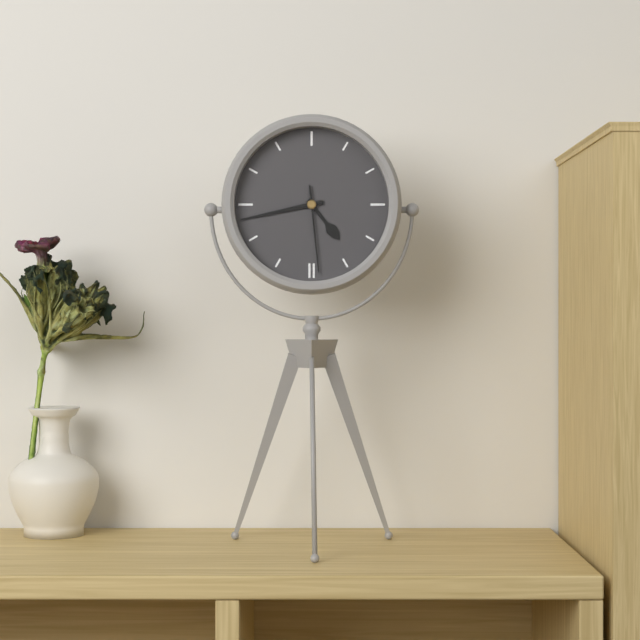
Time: **4:43:29**
